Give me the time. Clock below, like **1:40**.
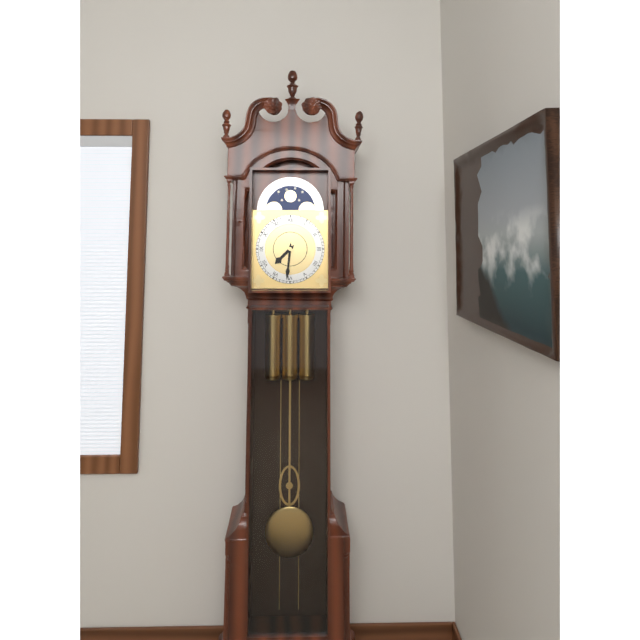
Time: **7:31**
